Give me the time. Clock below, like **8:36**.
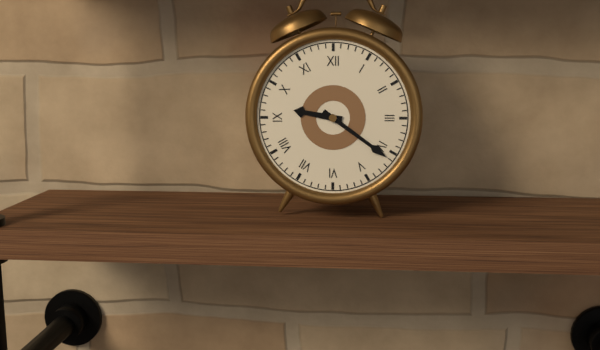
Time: **9:21**
